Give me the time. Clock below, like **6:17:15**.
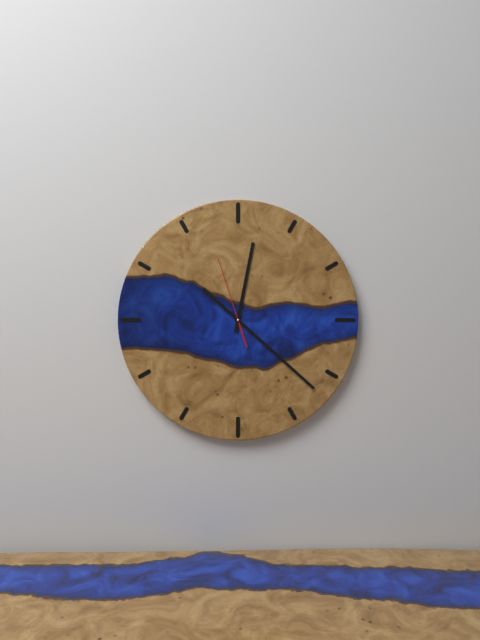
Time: **12:22:57**
